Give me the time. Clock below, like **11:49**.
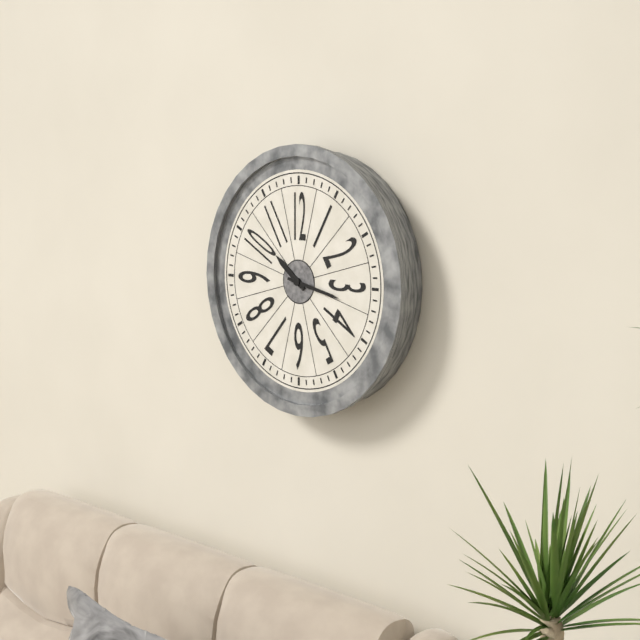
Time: **10:17**
